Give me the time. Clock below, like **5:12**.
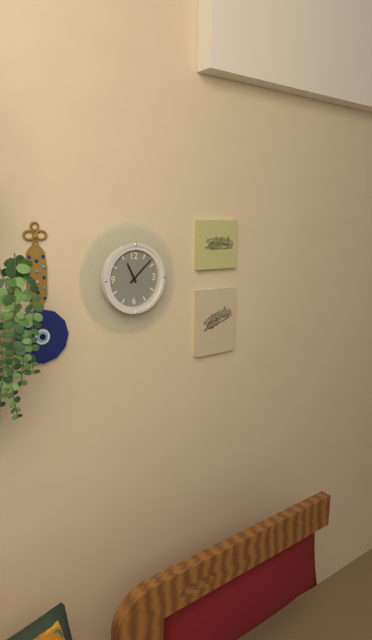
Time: **11:08**
